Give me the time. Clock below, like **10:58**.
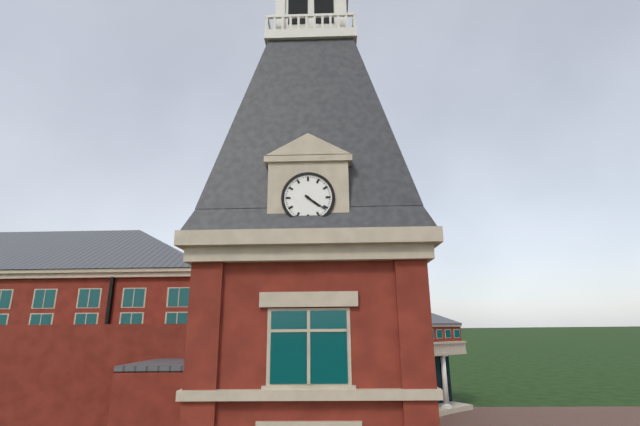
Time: **4:21**
